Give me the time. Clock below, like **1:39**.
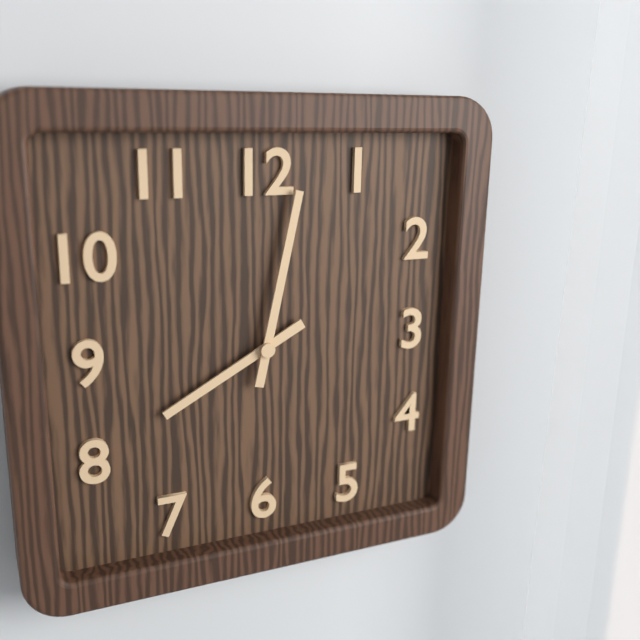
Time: **8:02**
